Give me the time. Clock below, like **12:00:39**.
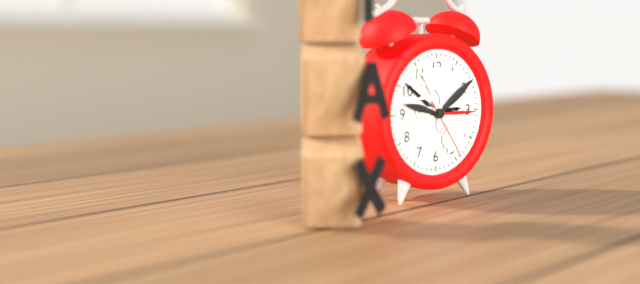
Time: **2:51:24**
